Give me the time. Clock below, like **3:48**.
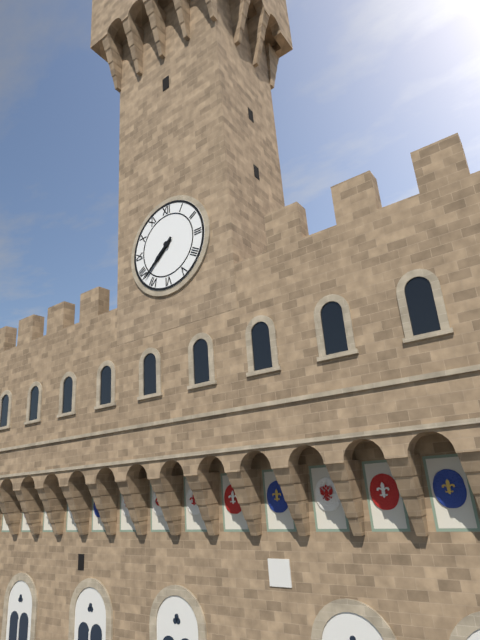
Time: **7:38**
